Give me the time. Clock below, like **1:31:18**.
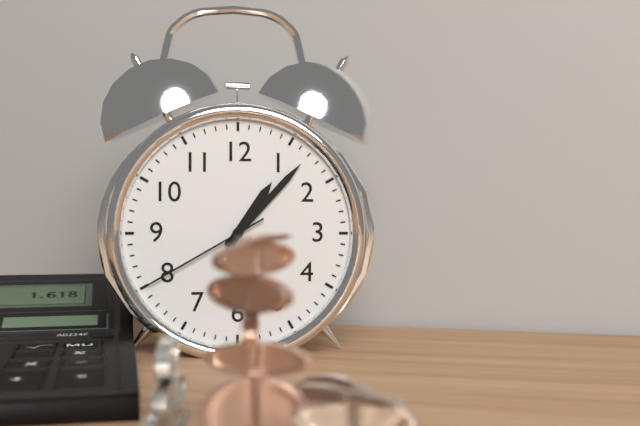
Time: **1:07:40**
